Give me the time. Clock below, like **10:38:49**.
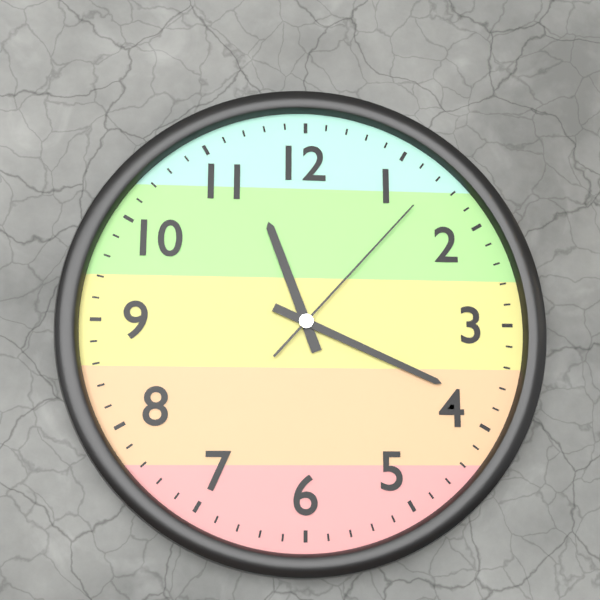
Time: **11:19:07**
